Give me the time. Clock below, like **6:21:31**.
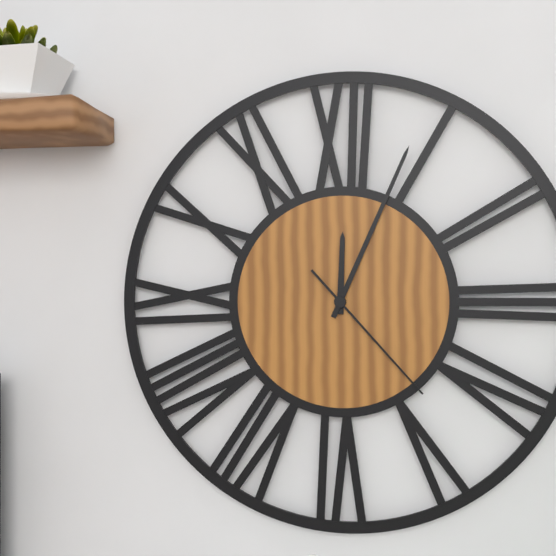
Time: **12:04:23**
